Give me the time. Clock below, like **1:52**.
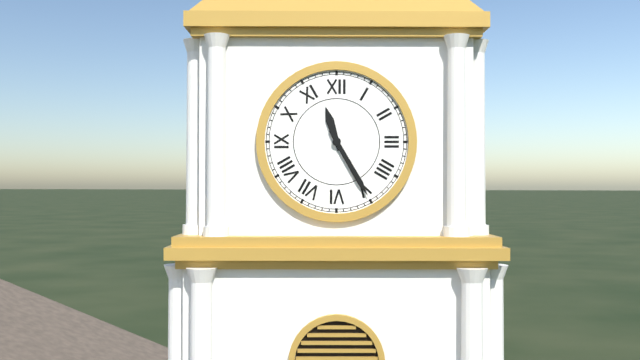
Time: **11:25**
